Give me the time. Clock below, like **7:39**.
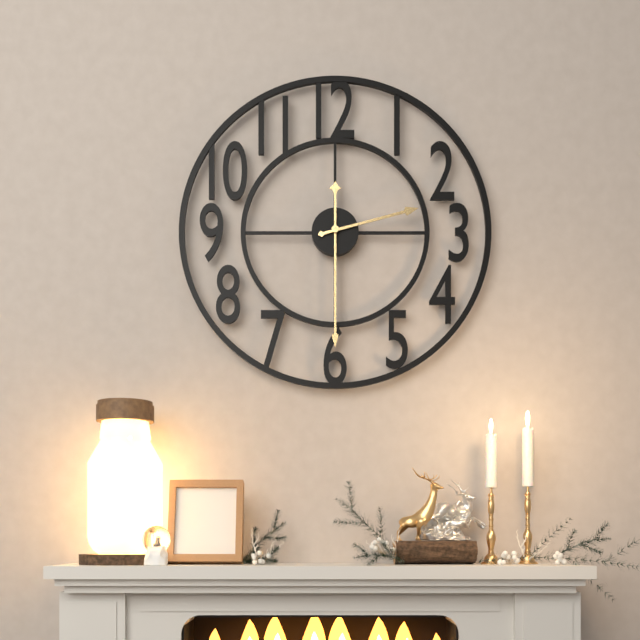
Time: **2:30**
